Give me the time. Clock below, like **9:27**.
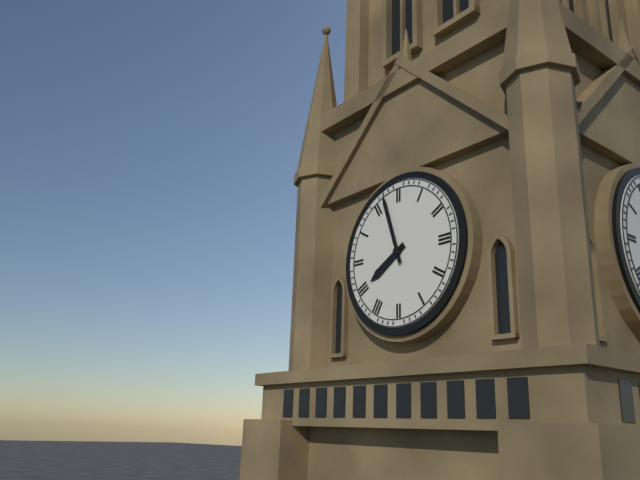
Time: **7:57**
